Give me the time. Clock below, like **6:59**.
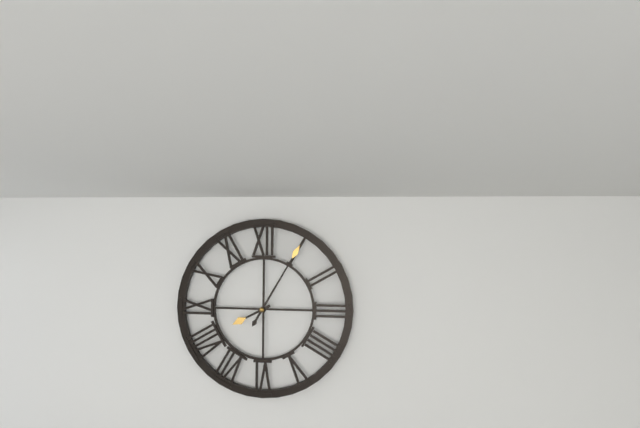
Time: **8:05**
